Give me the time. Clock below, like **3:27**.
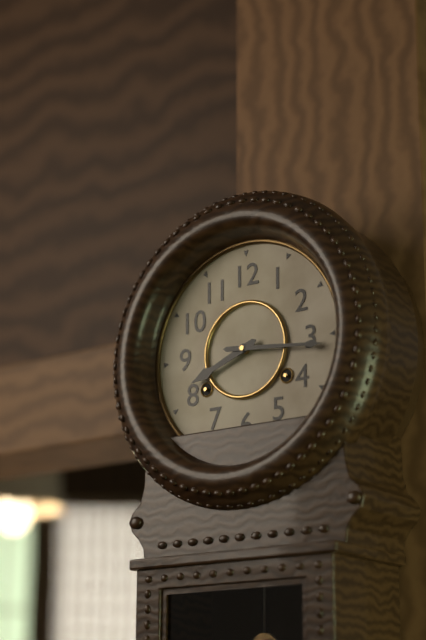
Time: **8:16**
